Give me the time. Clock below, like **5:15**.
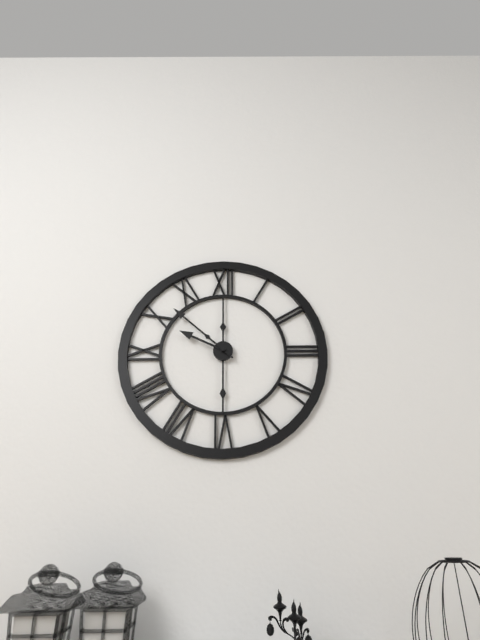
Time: **9:52**
